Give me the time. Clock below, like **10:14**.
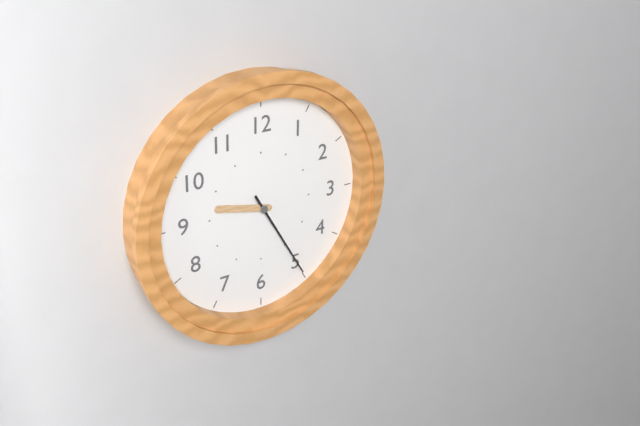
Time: **9:25**
